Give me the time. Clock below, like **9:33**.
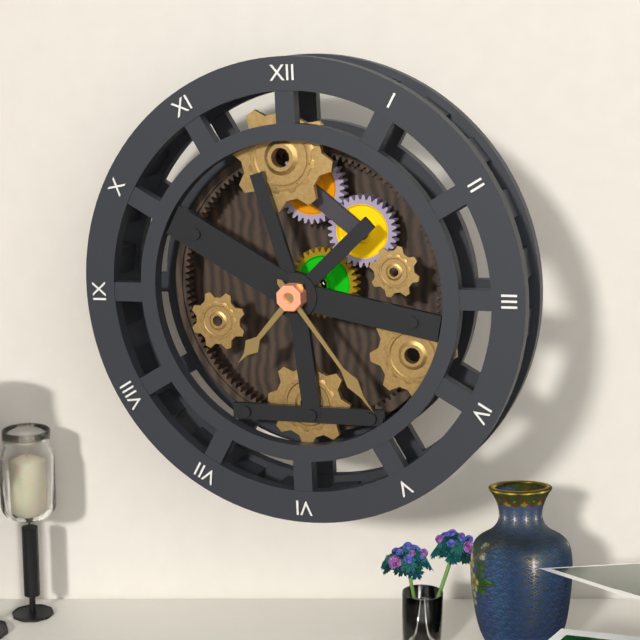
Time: **7:24**
